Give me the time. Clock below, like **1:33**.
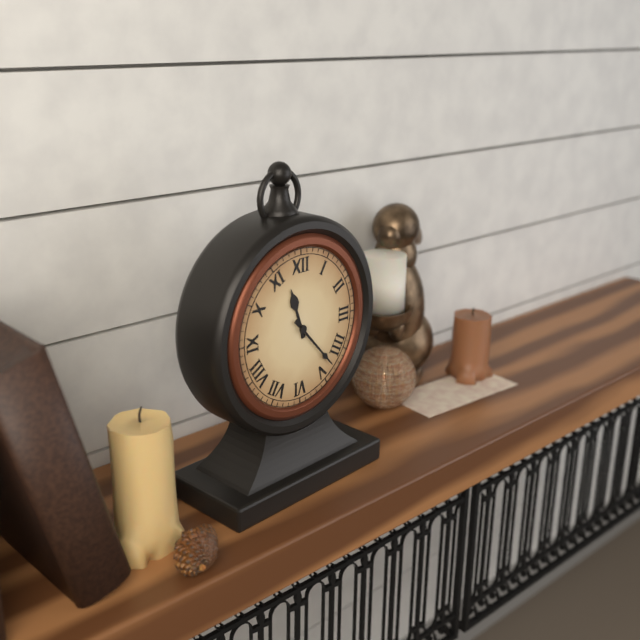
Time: **11:23**
